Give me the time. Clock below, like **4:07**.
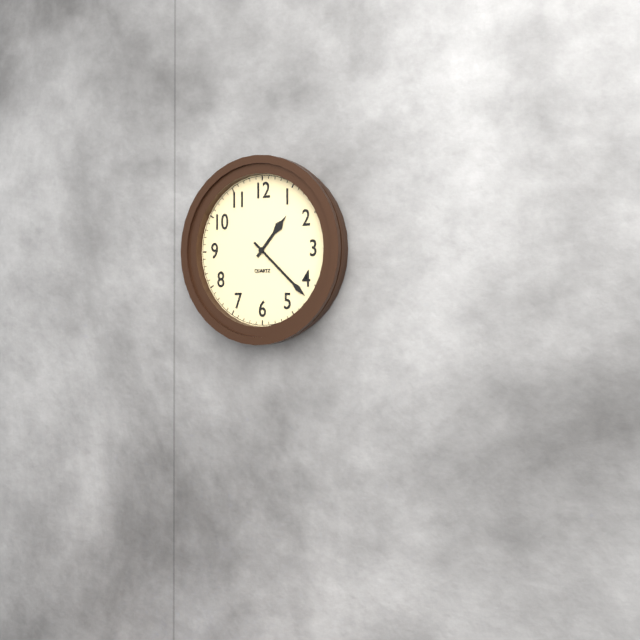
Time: **1:22**
